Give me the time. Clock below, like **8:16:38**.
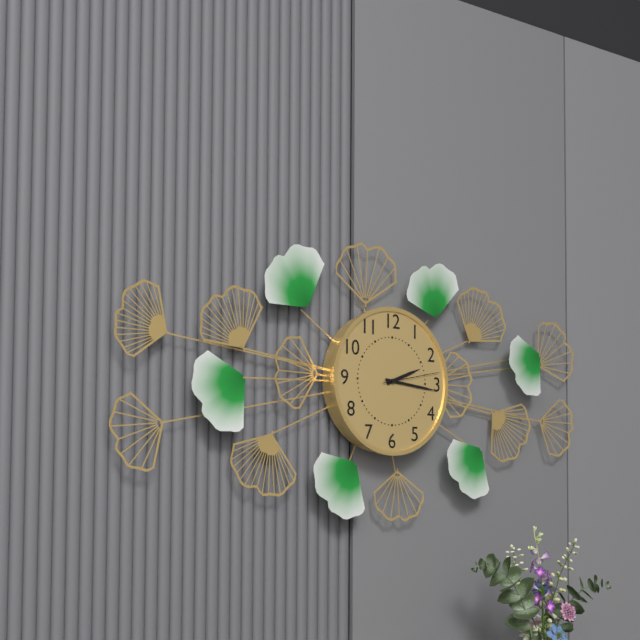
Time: **2:16:13**
